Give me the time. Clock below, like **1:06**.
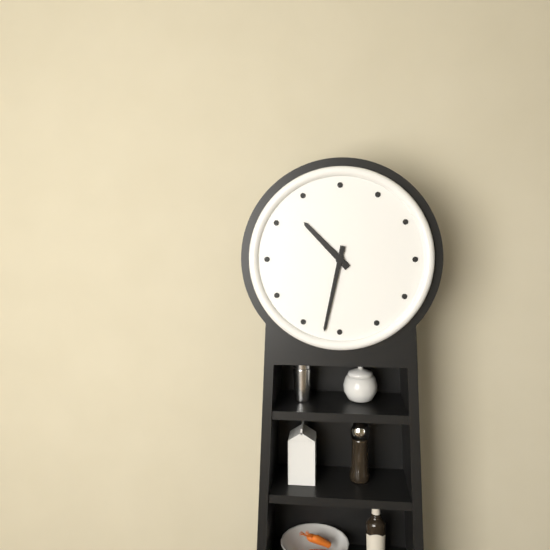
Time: **10:32**
